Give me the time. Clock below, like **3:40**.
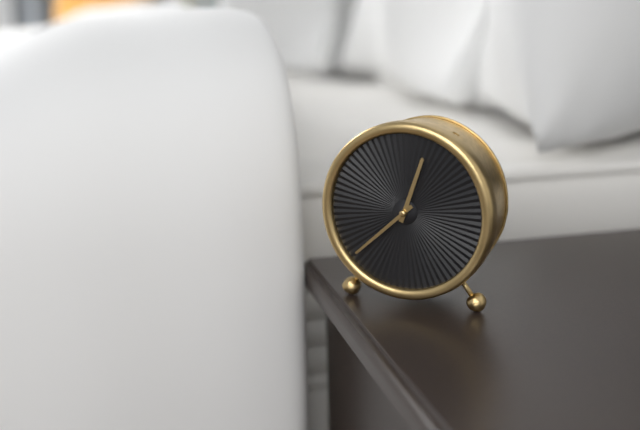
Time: **12:38**
